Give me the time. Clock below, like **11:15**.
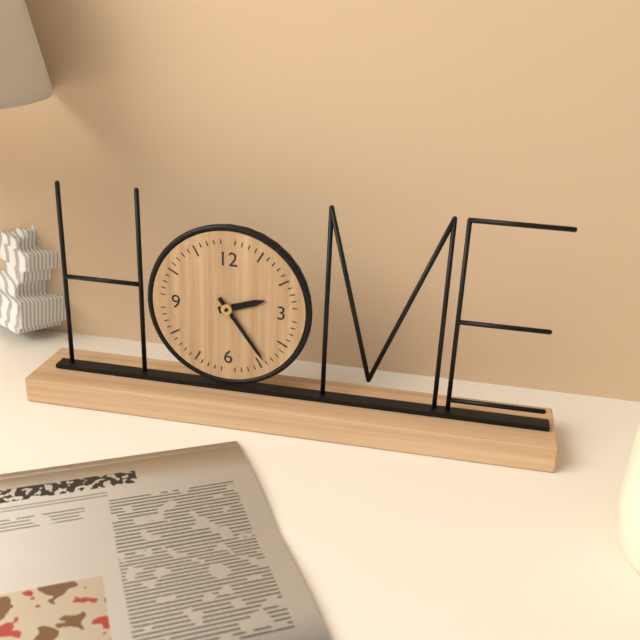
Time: **2:24**
